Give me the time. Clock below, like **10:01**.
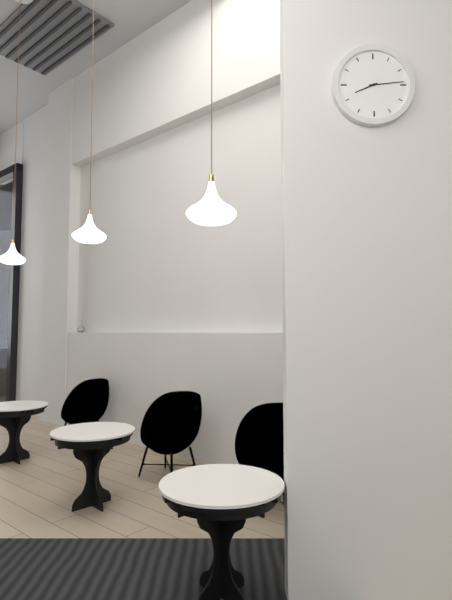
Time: **8:14**
